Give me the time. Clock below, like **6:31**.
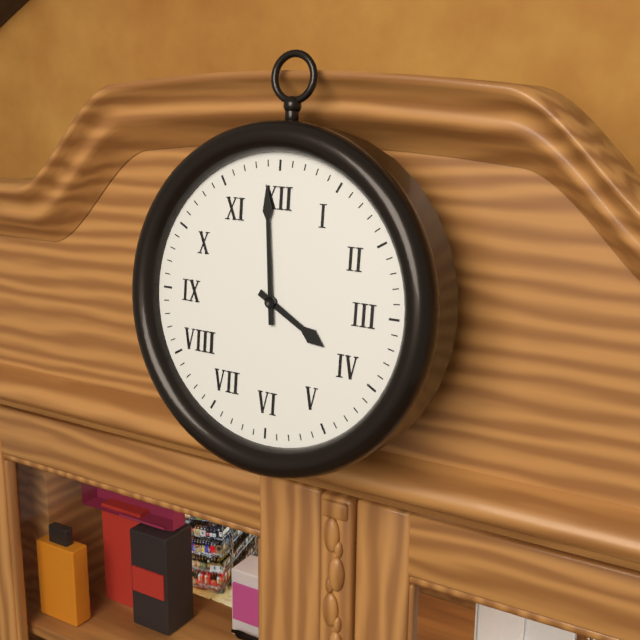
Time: **3:59**
